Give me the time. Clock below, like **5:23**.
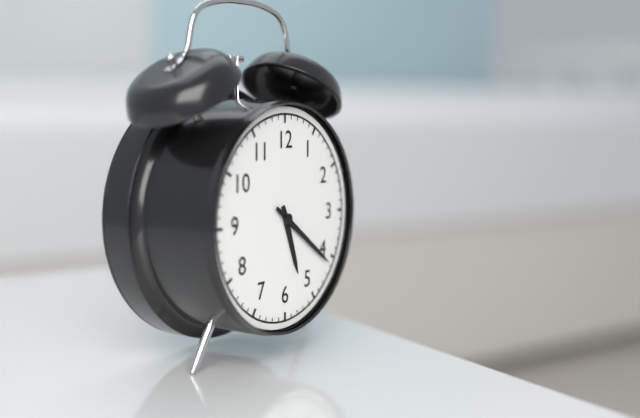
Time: **5:21**
